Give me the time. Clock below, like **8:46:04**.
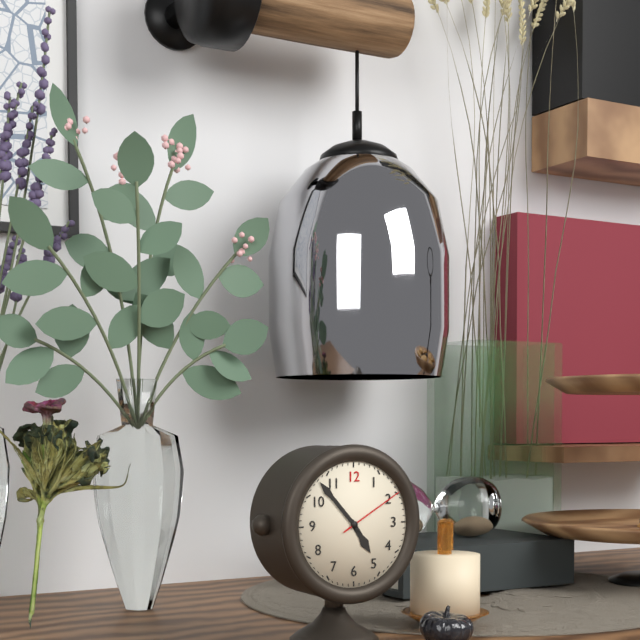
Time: **4:53:10**
